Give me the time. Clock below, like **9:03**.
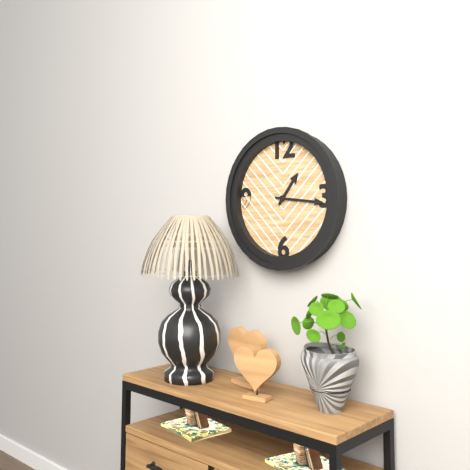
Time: **1:16**
